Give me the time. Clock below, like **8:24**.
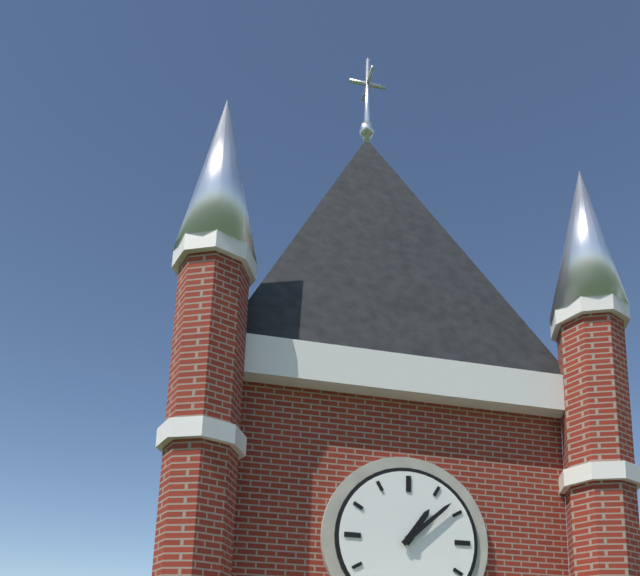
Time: **1:08**
